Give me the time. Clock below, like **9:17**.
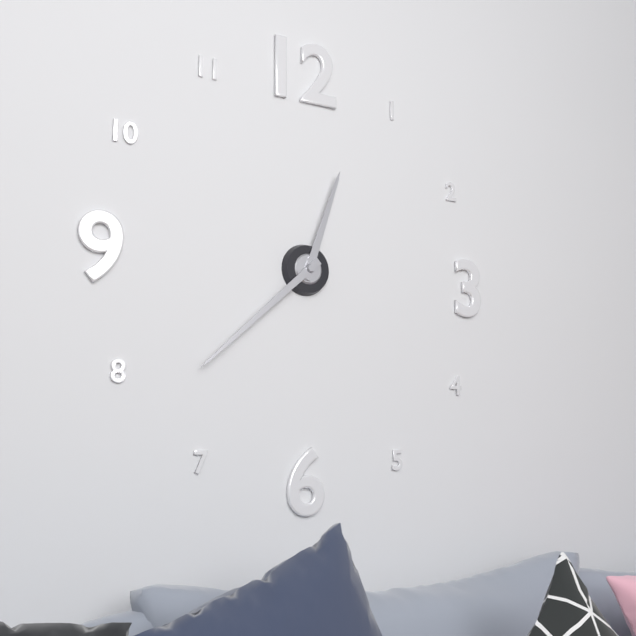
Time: **12:38**
